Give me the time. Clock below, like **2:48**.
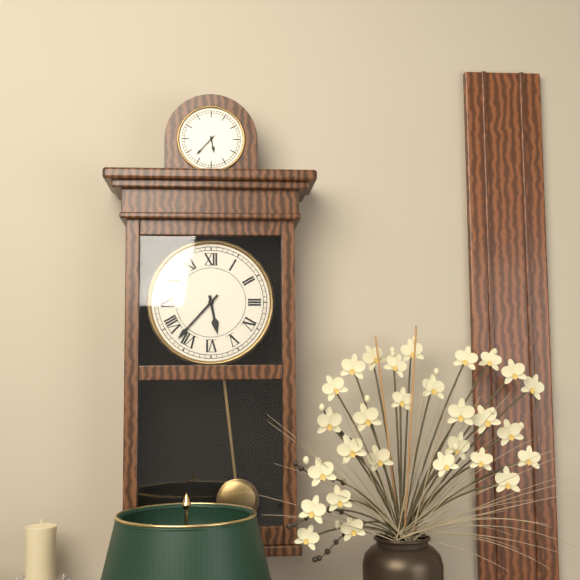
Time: **5:37**
